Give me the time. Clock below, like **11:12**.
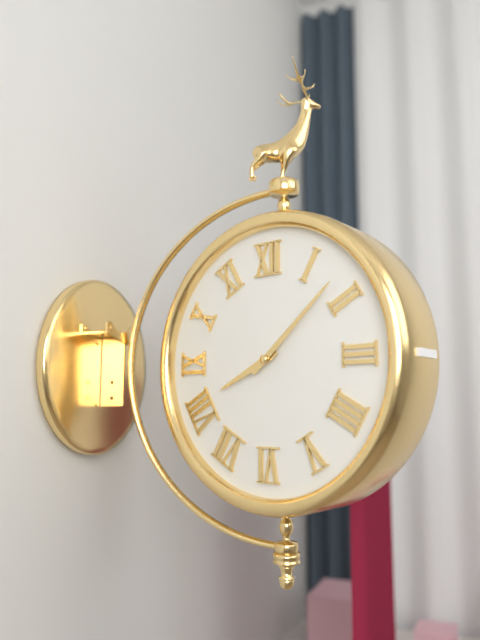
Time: **8:08**
